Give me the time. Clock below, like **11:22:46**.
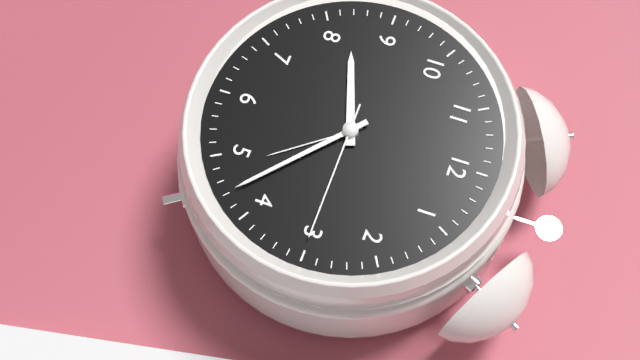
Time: **8:22:15**
